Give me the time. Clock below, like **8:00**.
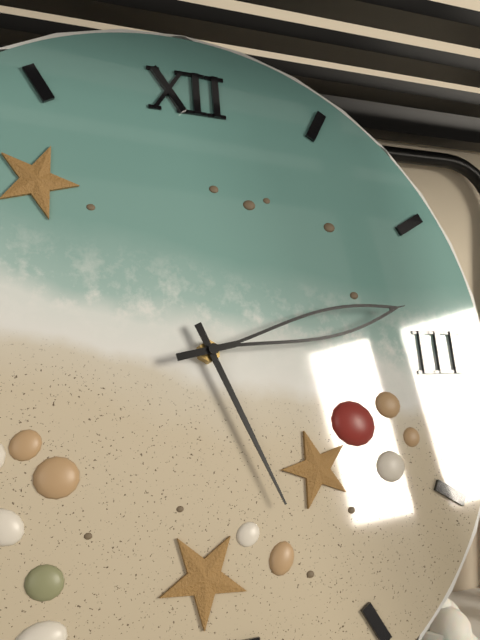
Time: **5:13**
